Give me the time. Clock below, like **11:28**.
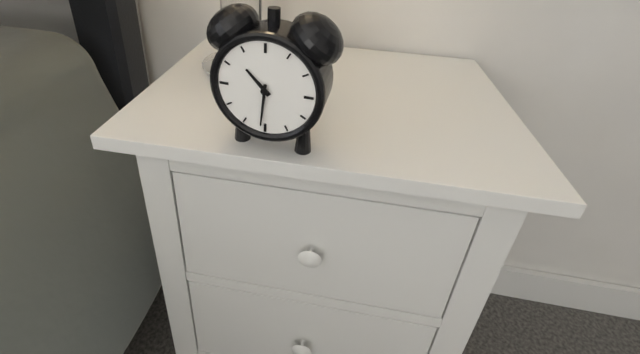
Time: **10:31**
